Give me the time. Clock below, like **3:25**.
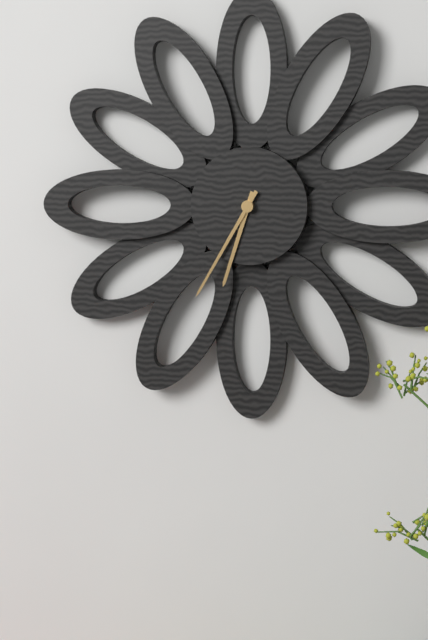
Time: **6:35**
